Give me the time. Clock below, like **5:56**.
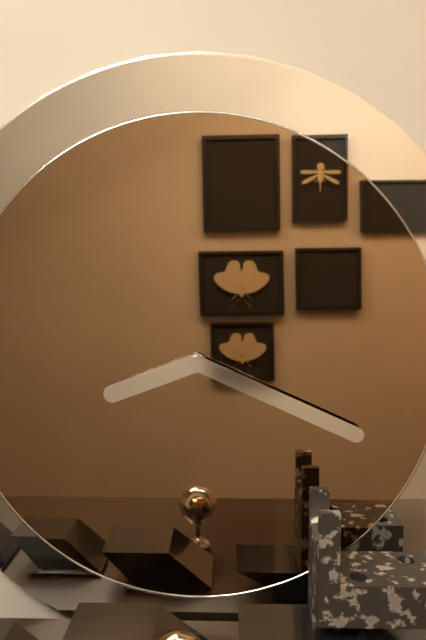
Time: **8:19**
